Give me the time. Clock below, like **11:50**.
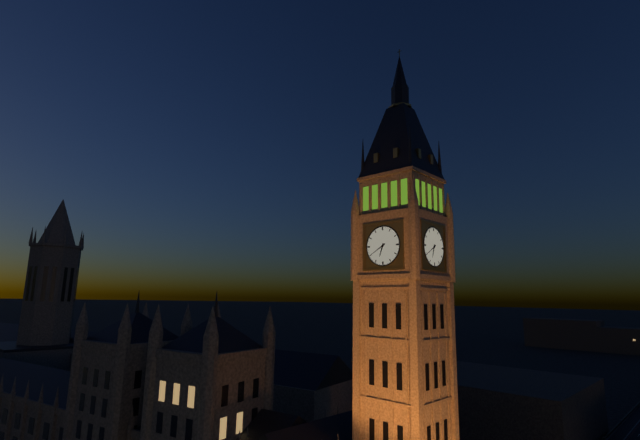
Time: **6:40**
